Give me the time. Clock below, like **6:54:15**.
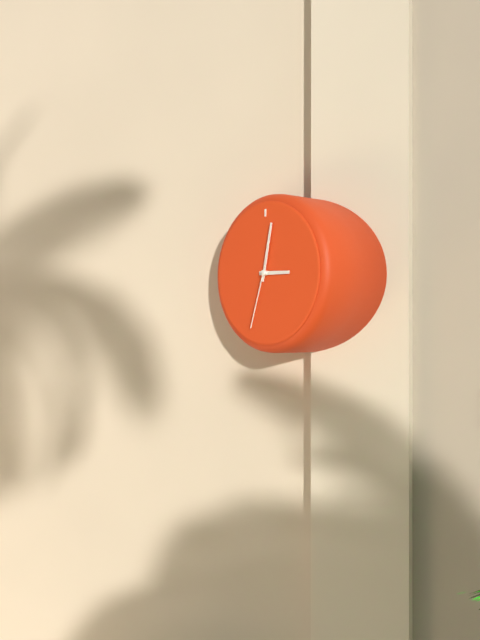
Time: **3:02:33**
